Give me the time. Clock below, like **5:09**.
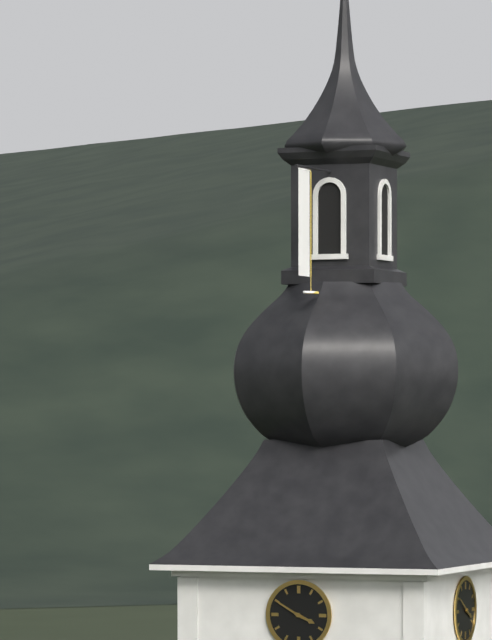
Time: **3:50**
